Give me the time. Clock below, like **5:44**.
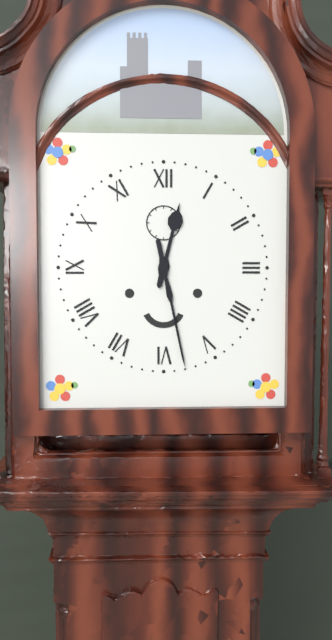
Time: **12:28**
